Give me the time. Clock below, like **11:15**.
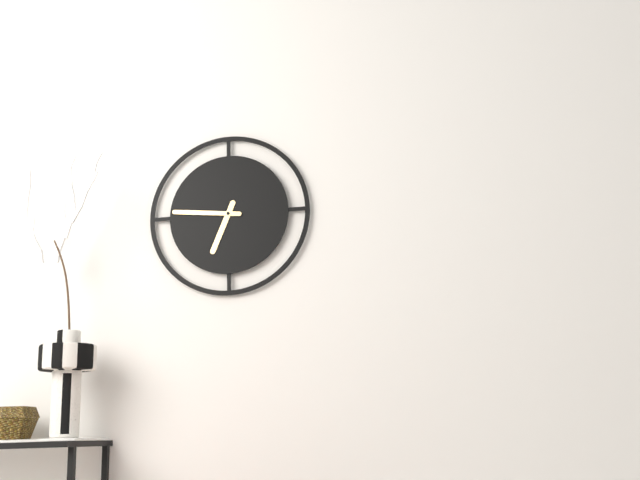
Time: **6:46**
